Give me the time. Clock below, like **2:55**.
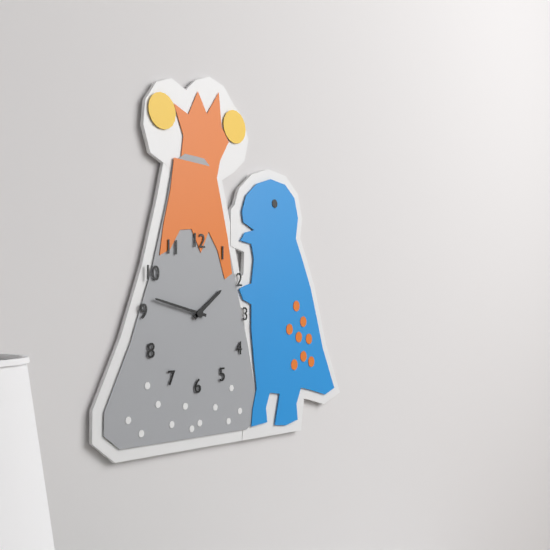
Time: **1:47**
